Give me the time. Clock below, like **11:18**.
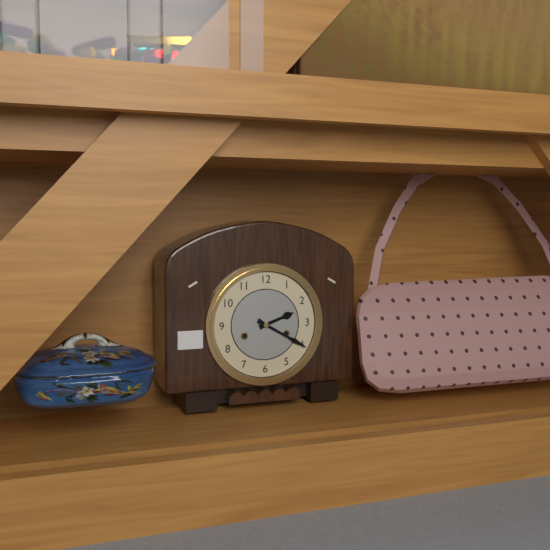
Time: **2:20**
